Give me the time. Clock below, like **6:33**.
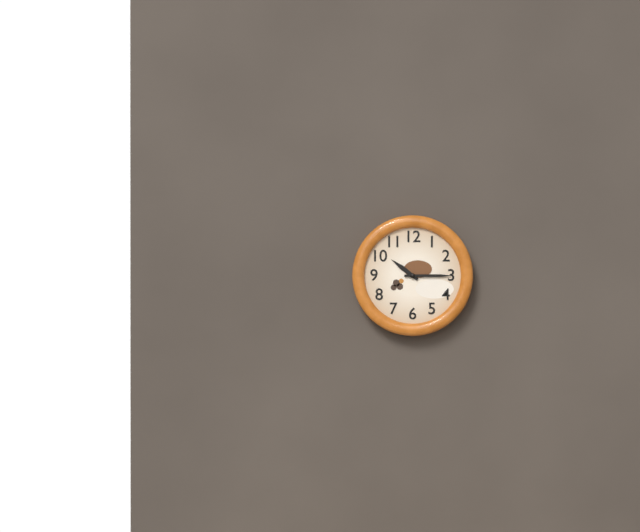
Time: **10:15**
